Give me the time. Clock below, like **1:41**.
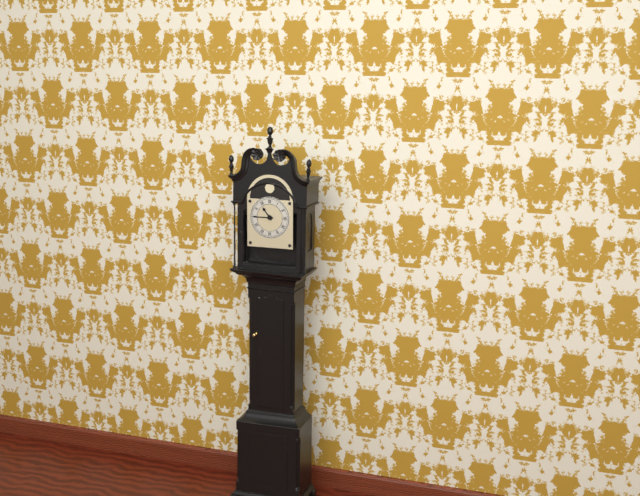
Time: **10:45**
